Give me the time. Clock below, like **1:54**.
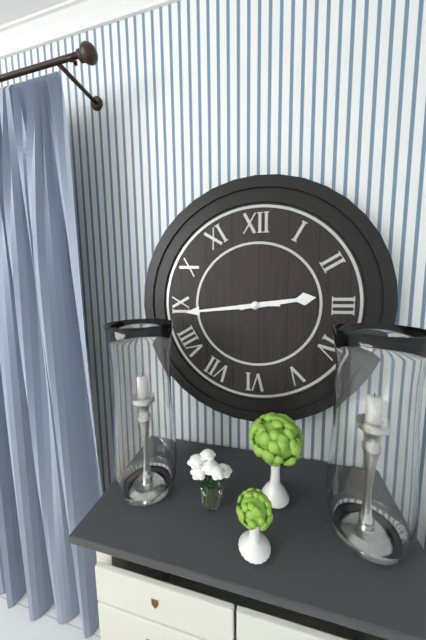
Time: **2:44**
